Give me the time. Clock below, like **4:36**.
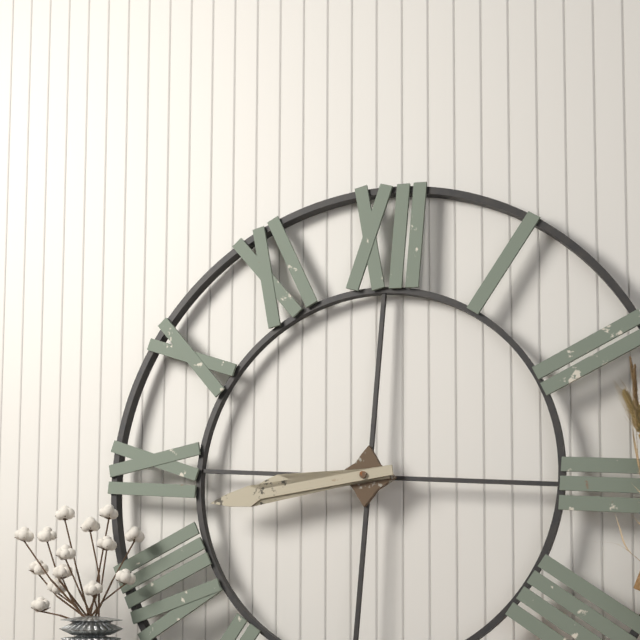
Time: **8:43**
